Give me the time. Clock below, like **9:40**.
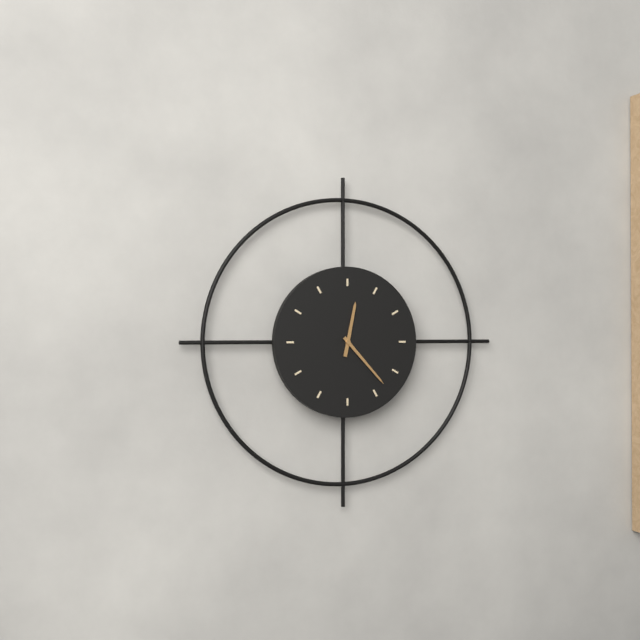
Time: **12:23**
